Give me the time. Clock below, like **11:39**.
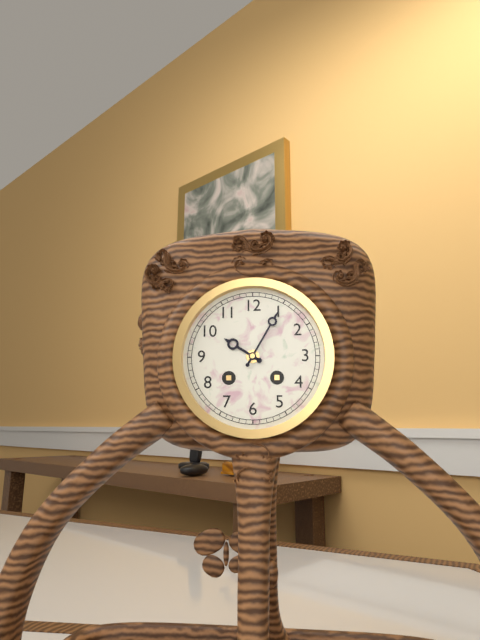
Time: **10:05**
